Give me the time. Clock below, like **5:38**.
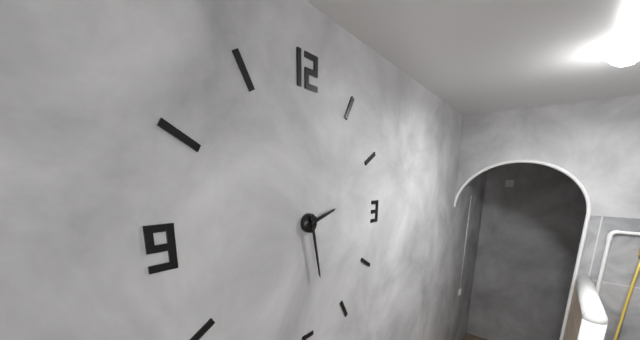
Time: **2:28**
